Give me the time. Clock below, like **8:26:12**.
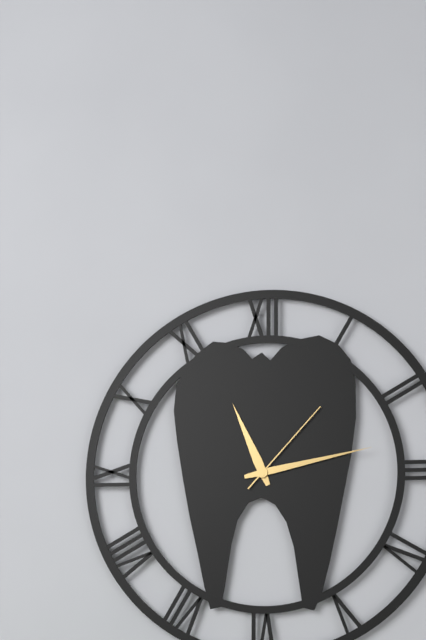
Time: **11:13:07**
